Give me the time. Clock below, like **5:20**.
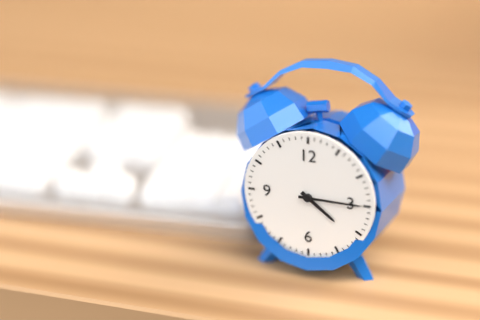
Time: **4:15**
